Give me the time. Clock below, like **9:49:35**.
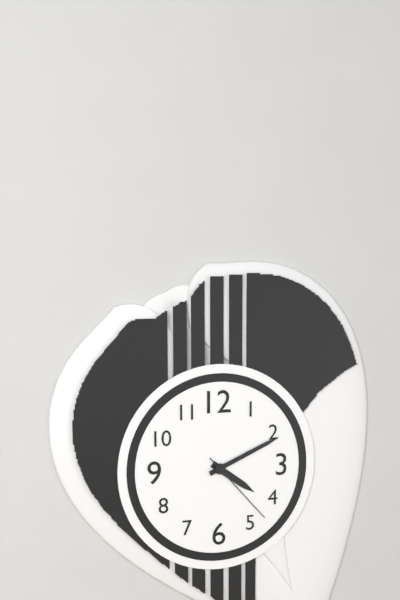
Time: **4:11:23**
